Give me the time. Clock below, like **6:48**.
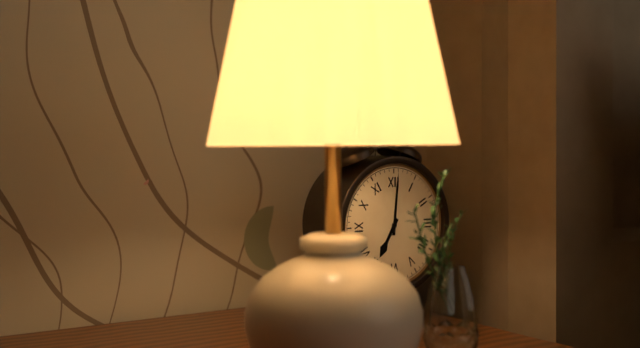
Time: **7:01**
